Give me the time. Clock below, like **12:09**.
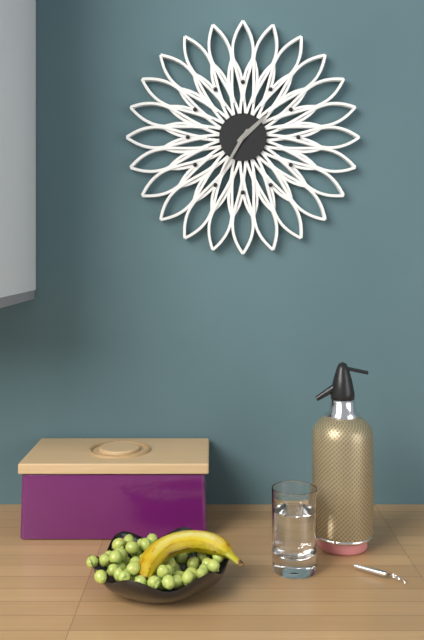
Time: **1:35**
